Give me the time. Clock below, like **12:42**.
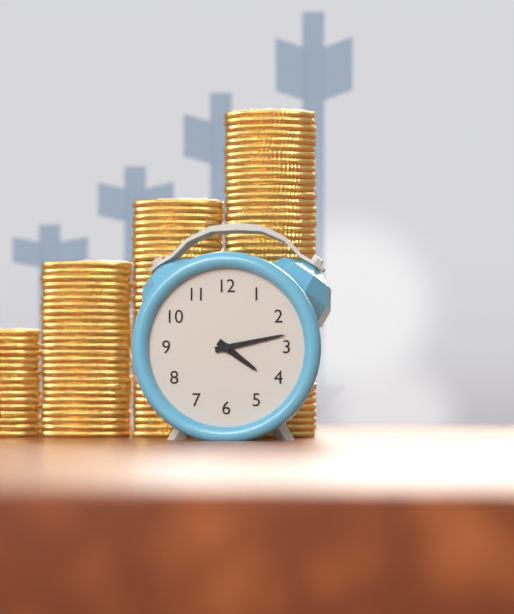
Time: **4:13**
